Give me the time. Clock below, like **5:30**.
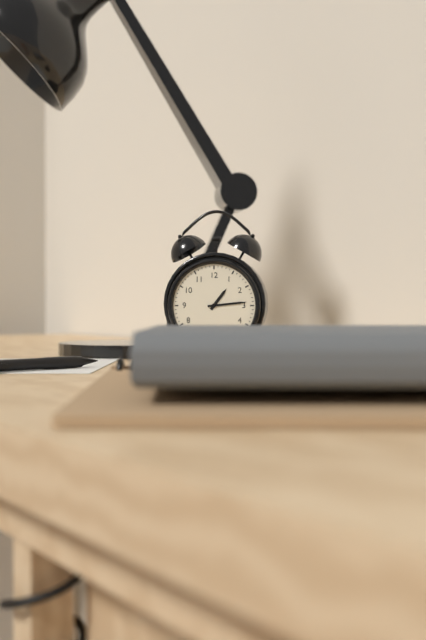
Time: **1:14**
